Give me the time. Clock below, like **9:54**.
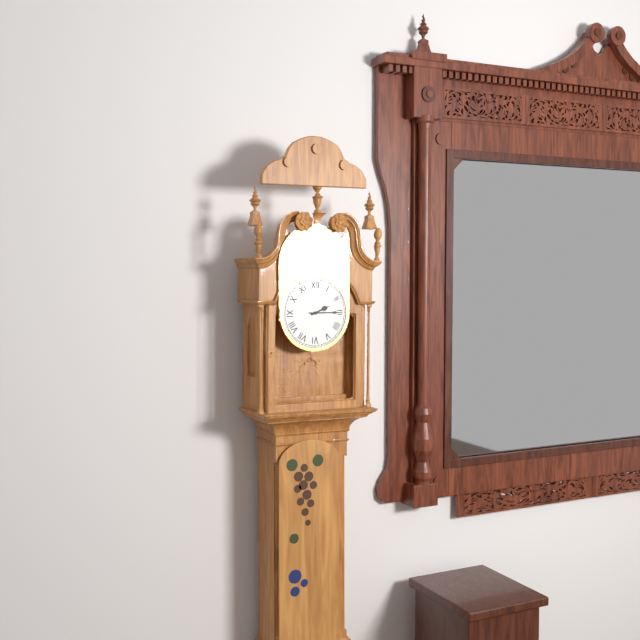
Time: **2:15**
